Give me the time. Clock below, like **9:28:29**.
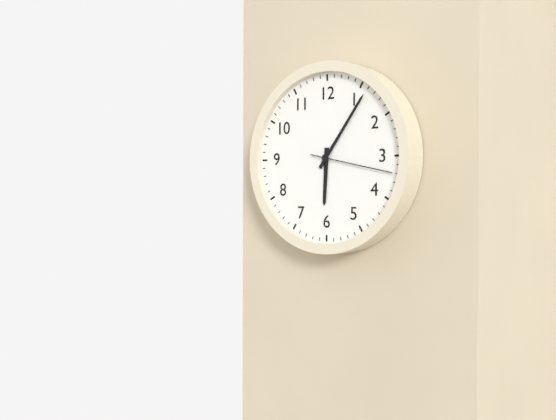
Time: **6:06:17**
